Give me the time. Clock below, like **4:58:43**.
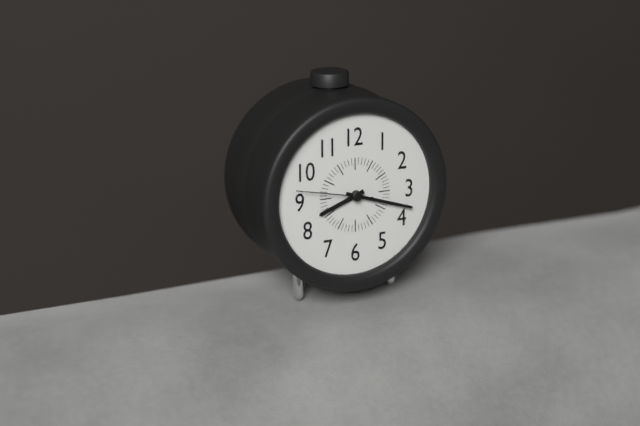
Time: **8:18:47**
